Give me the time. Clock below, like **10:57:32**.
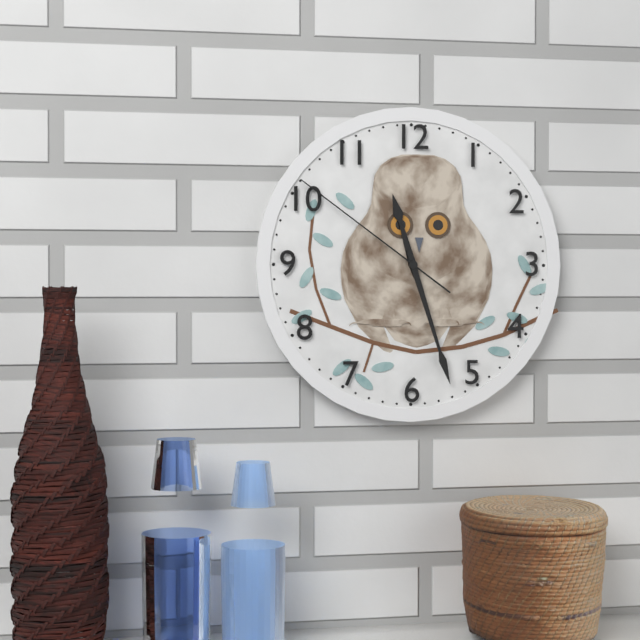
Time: **11:27:51**
